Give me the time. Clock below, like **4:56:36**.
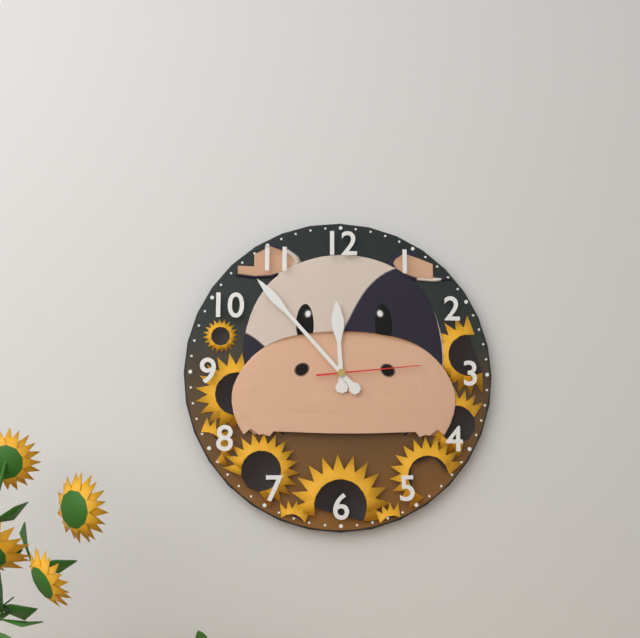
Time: **11:53:14**
